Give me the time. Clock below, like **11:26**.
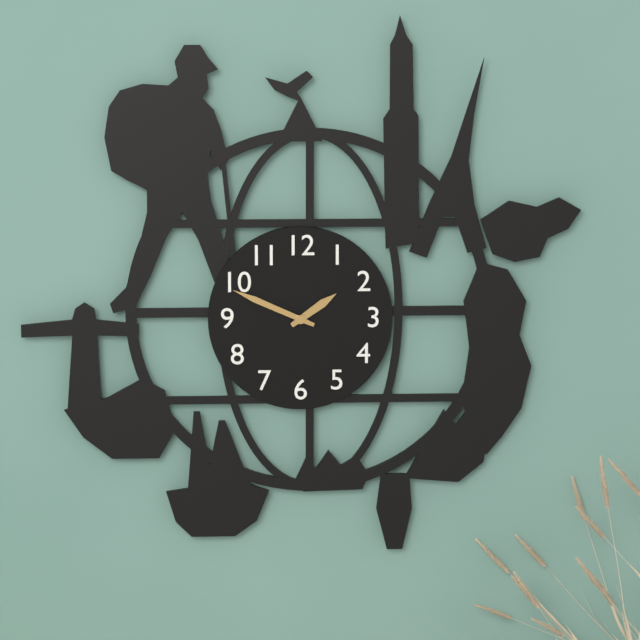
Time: **1:49**
